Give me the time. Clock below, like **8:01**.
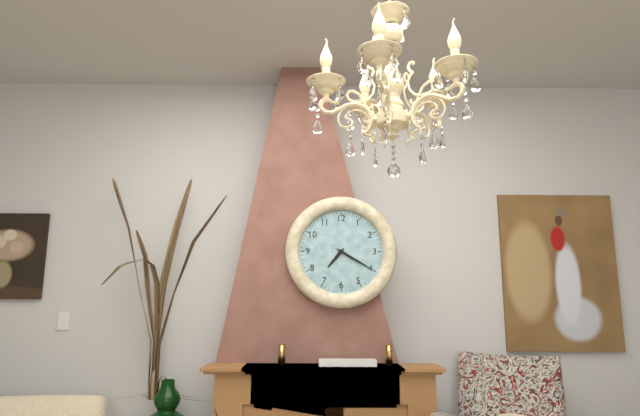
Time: **7:20**
